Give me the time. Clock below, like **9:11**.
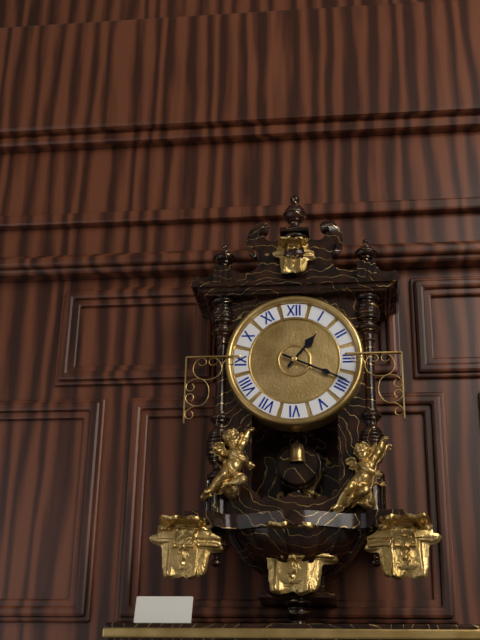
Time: **1:19**
